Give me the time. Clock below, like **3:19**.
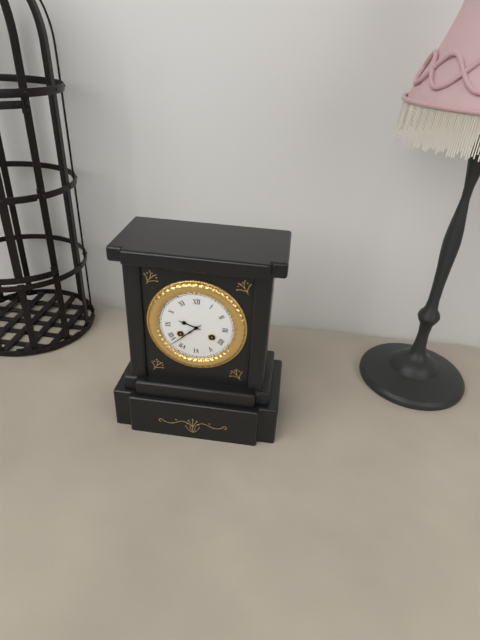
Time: **9:38**
